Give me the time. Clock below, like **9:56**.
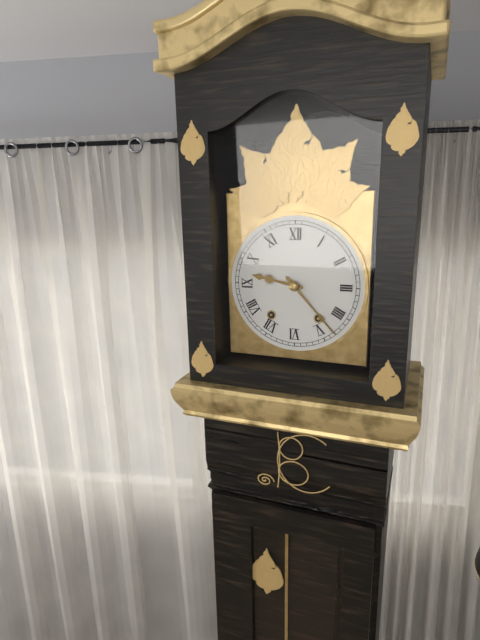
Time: **9:23**
